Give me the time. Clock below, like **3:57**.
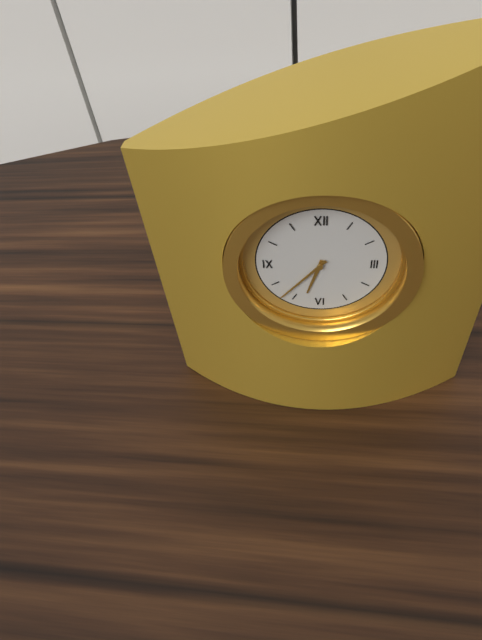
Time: **6:37**
